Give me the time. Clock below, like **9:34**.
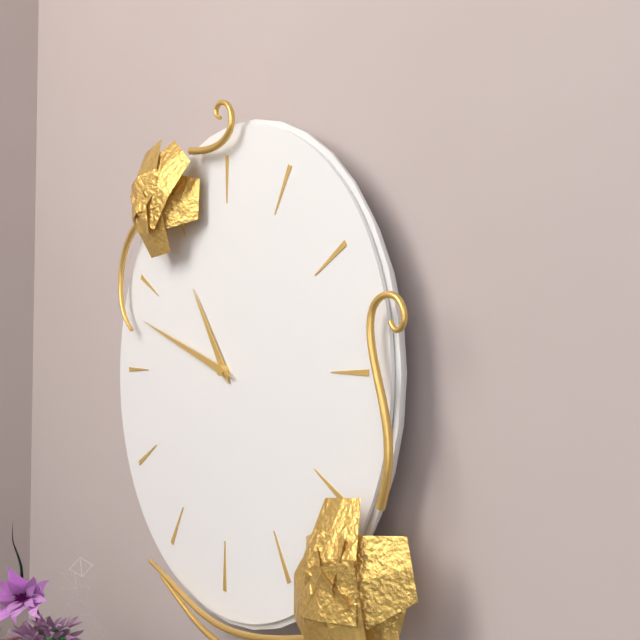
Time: **10:48**
